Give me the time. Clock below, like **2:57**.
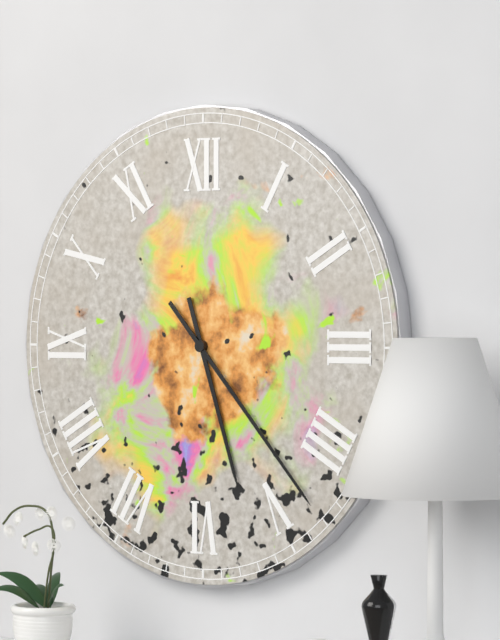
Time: **5:23**
